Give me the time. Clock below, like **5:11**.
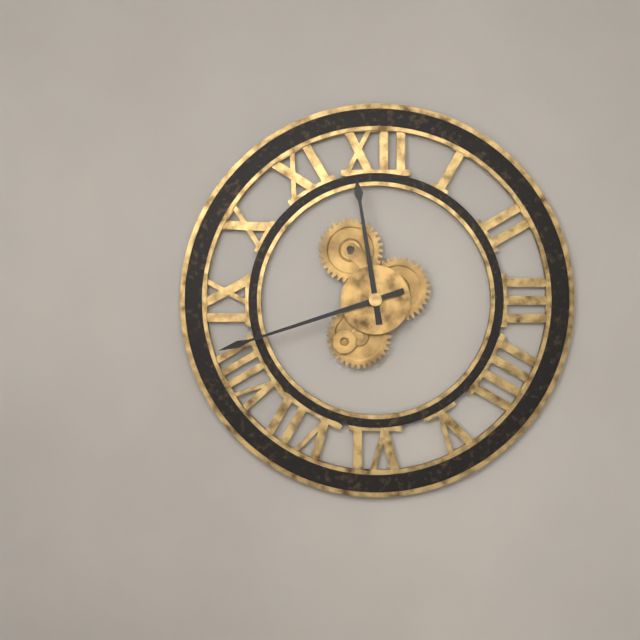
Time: **11:42**
